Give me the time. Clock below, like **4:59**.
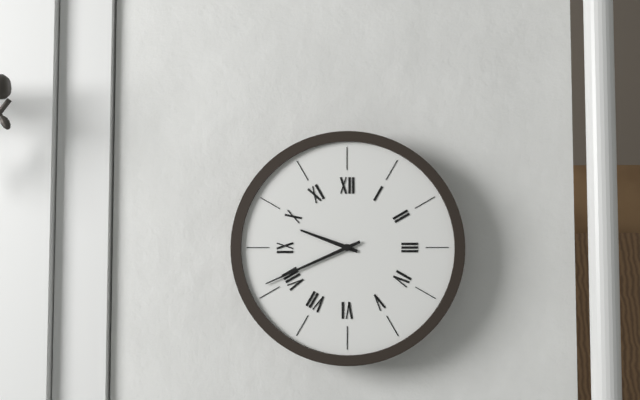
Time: **9:41**
